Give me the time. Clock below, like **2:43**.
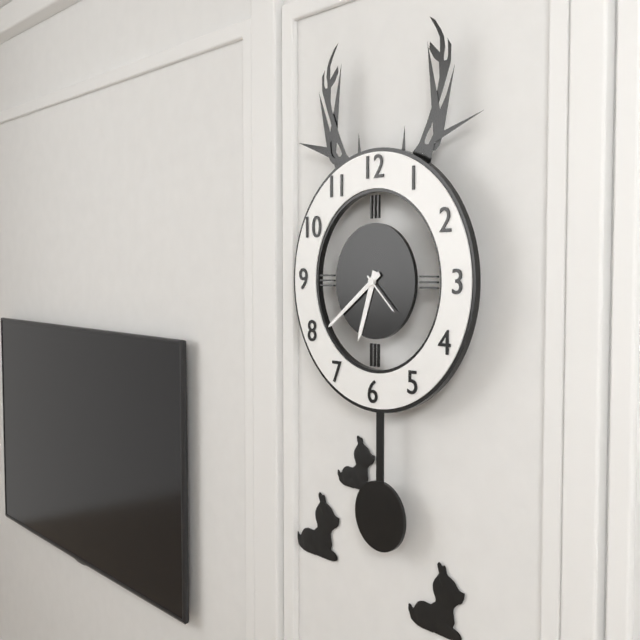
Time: **6:39**
